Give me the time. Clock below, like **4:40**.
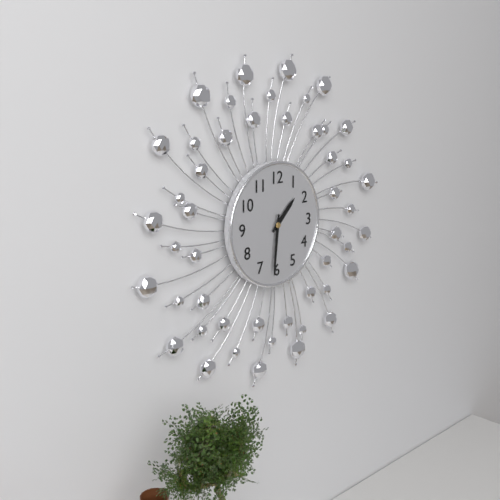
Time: **1:31**
